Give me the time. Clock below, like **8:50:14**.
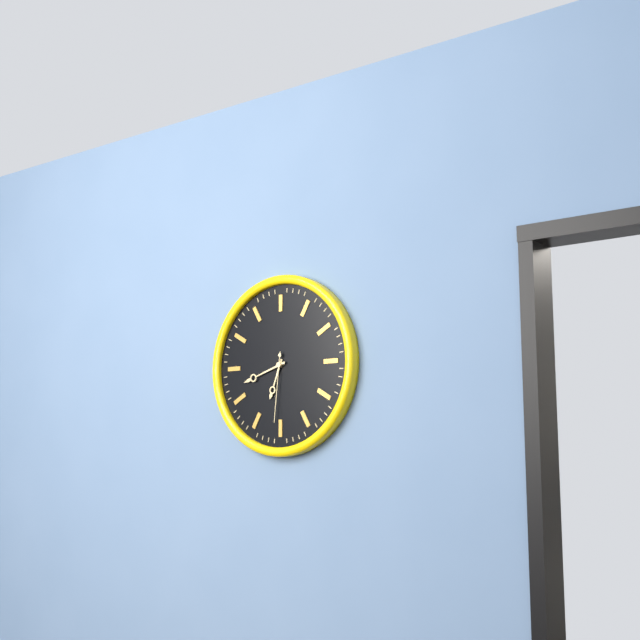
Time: **6:42:31**
